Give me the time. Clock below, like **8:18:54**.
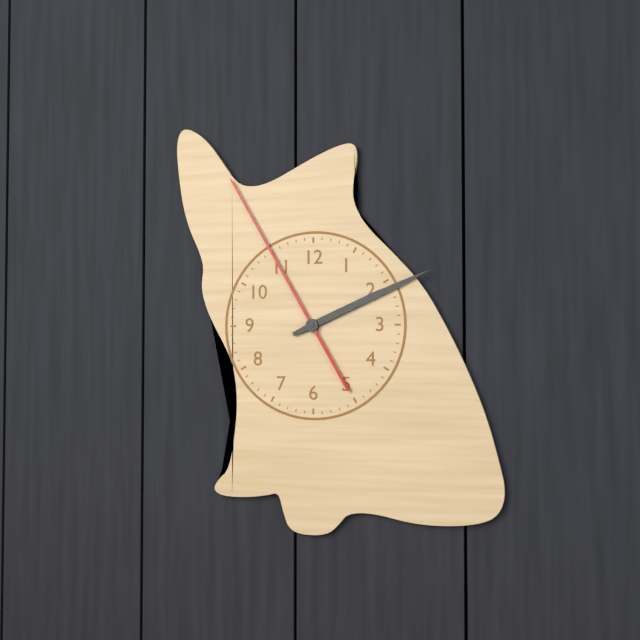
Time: **2:11:55**
